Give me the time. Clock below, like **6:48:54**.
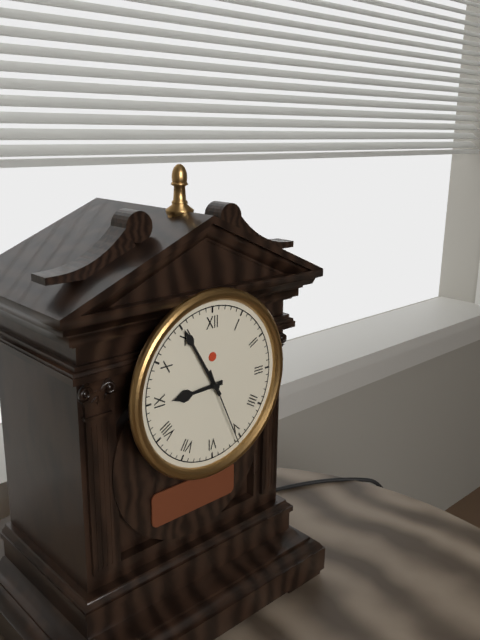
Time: **8:55:26**
